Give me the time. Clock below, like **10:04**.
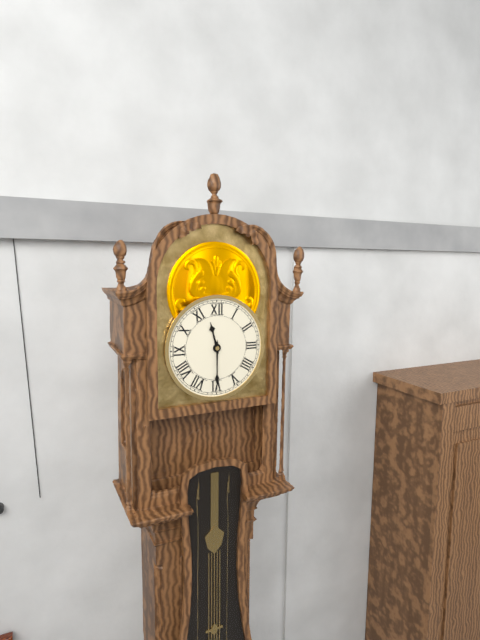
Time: **11:30**
